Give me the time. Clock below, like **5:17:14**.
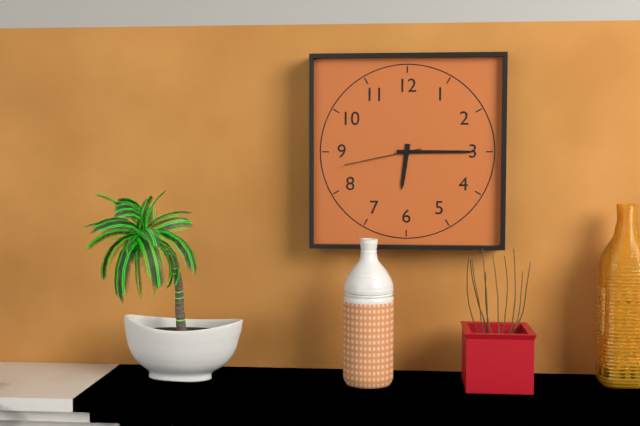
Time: **6:15:43**
